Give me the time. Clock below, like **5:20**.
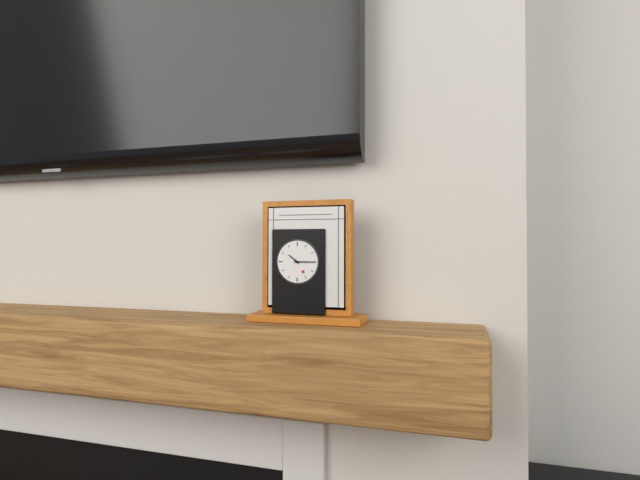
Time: **10:15**
